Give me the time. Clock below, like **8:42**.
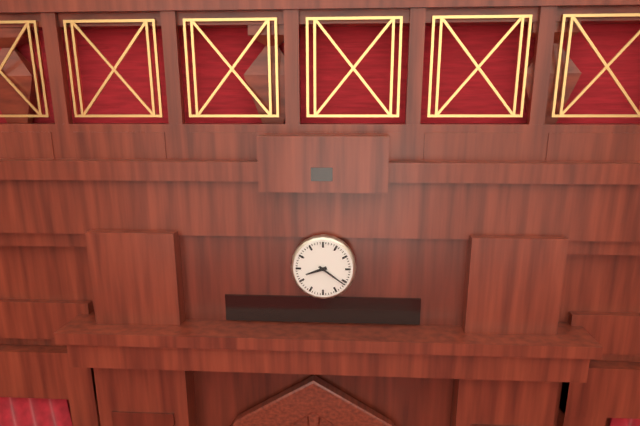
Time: **8:21**
